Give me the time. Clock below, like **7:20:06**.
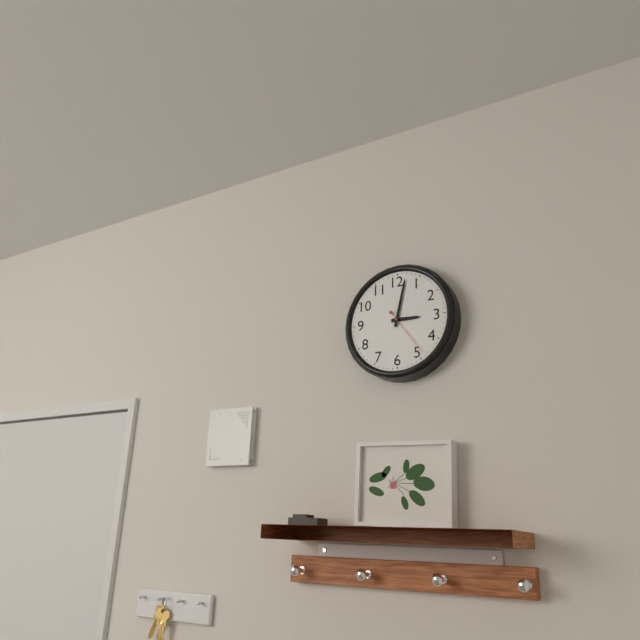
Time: **3:02:24**
